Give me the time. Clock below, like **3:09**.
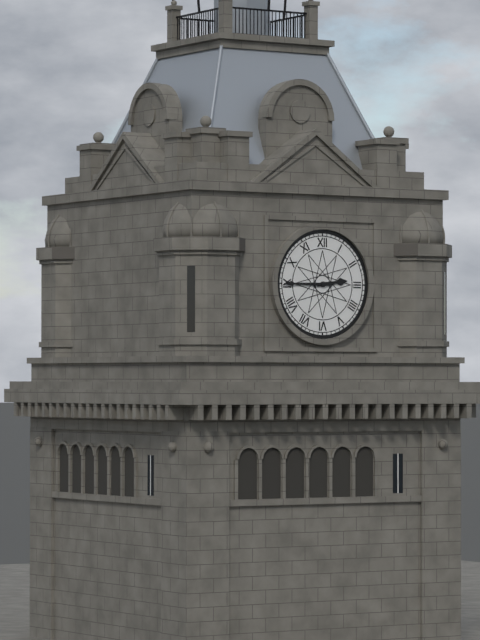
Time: **2:45**
